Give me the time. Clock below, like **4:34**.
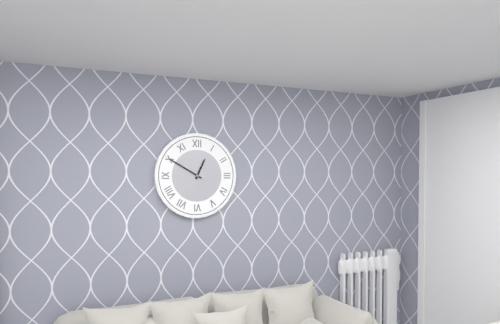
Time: **12:50**
